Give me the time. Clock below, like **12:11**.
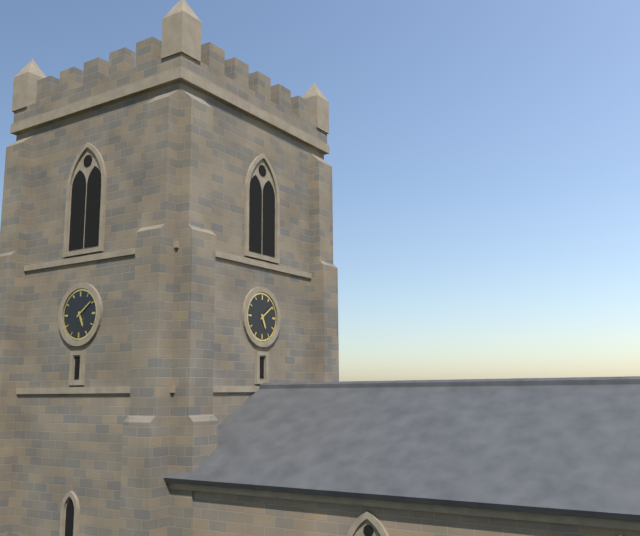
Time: **5:09**
